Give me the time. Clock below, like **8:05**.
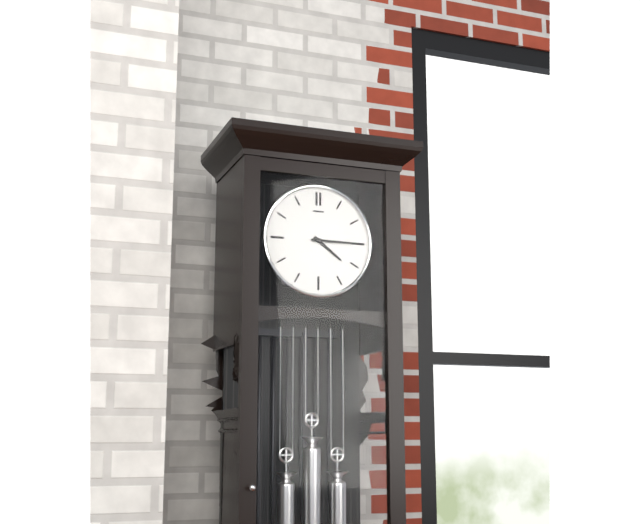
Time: **4:15**
